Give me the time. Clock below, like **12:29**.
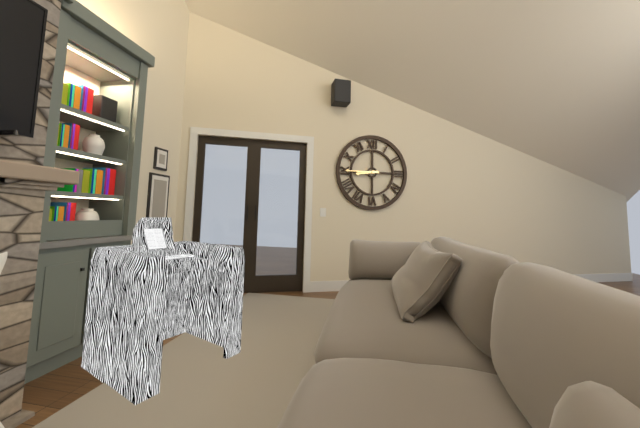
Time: **8:45**
